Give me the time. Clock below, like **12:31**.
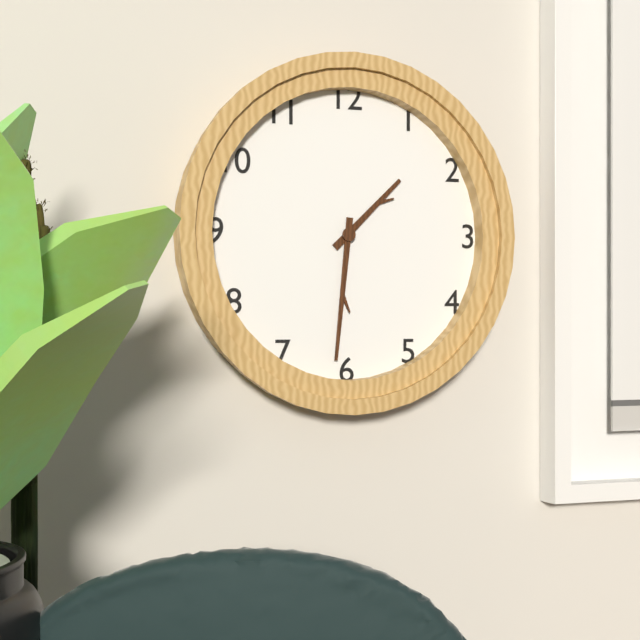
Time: **1:31**
